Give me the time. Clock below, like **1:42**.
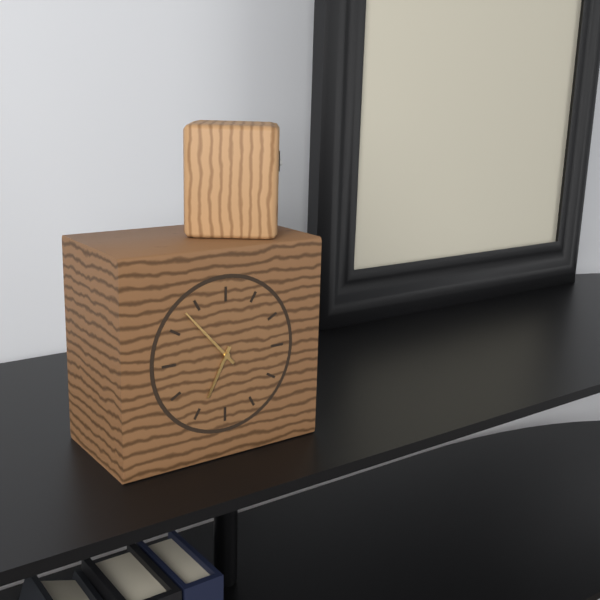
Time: **6:53**
